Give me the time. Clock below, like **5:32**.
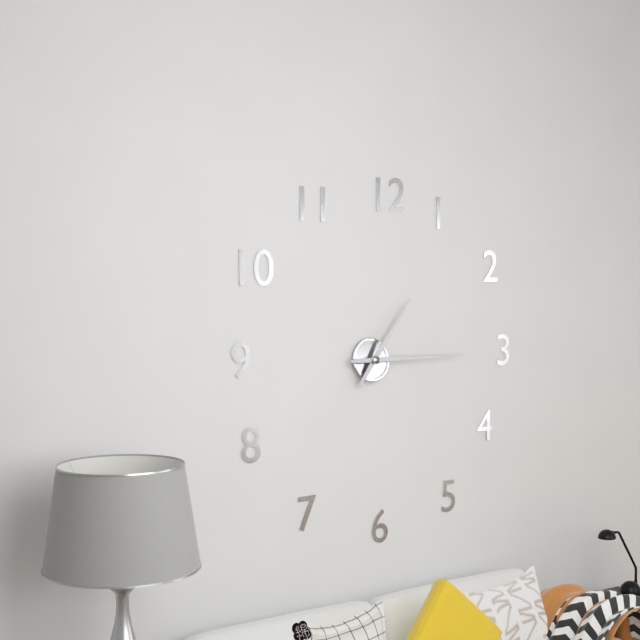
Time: **1:15**
